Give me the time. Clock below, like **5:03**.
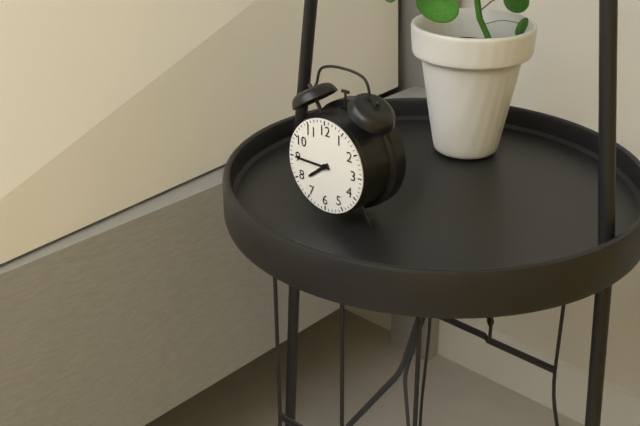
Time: **7:45**
